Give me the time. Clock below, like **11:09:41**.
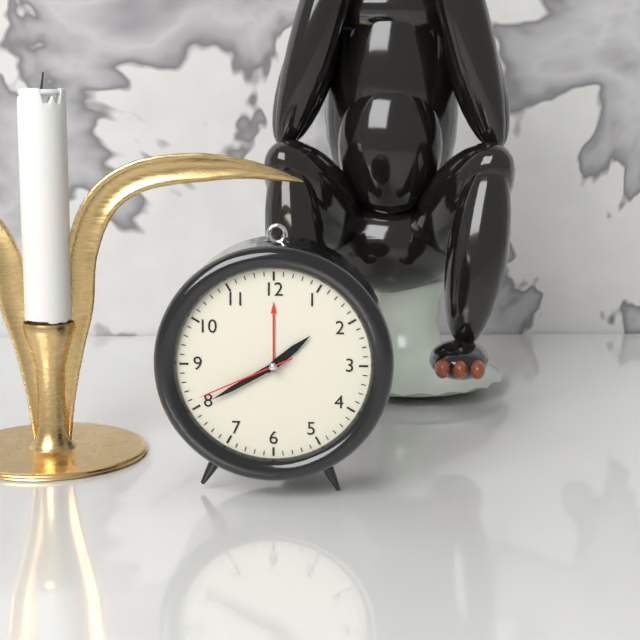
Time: **1:40:41**
